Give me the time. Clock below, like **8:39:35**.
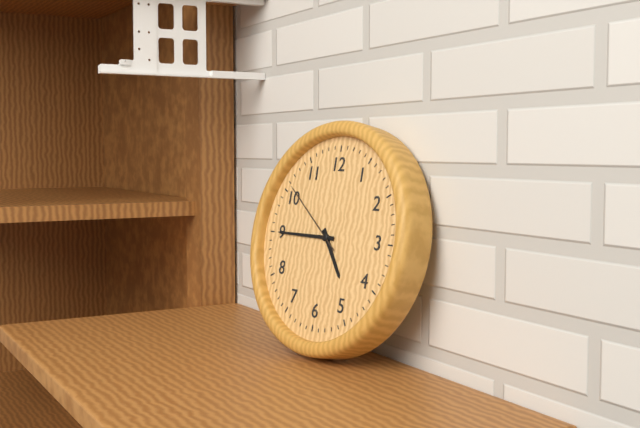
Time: **4:45:51**
